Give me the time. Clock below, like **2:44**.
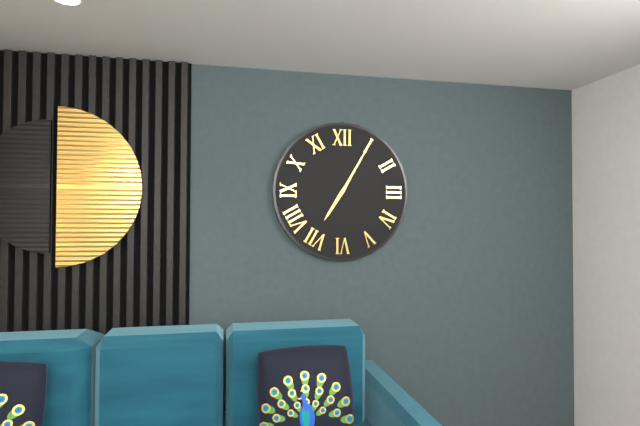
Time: **7:05**
